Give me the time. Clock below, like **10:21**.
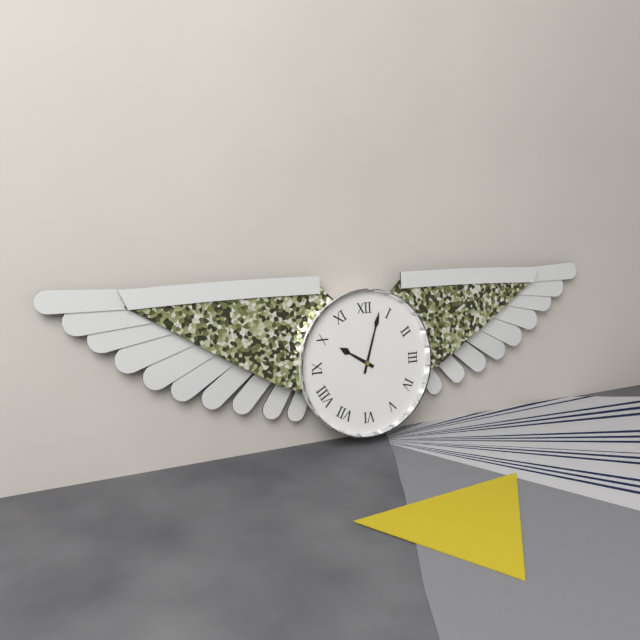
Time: **10:03**
